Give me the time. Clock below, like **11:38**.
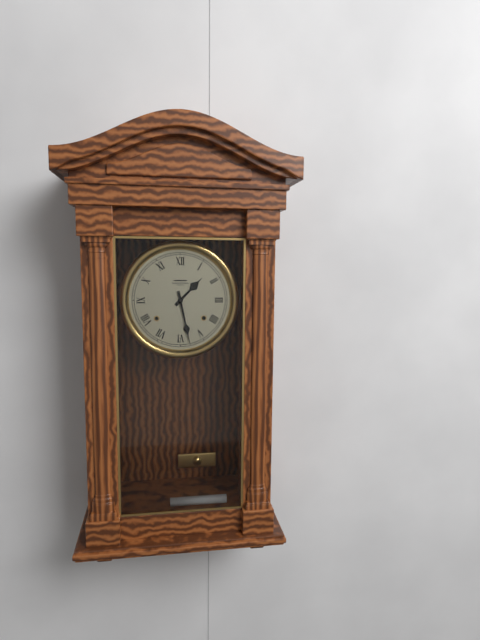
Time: **1:28**
